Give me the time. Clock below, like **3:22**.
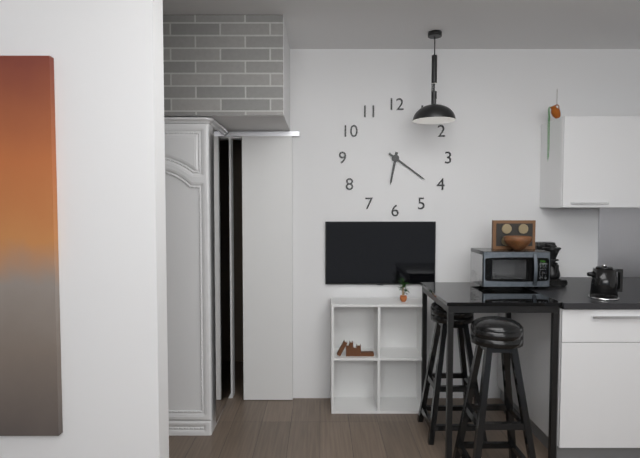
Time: **6:21**
